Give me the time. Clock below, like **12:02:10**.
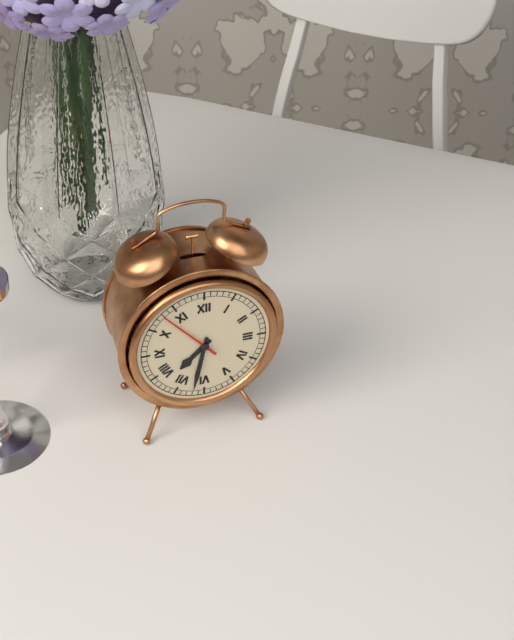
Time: **7:32:53**
